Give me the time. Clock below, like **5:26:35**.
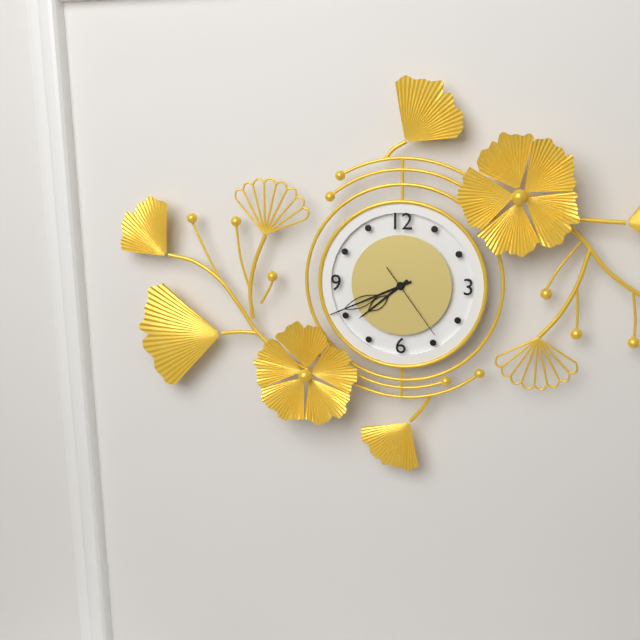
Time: **7:41:24**
